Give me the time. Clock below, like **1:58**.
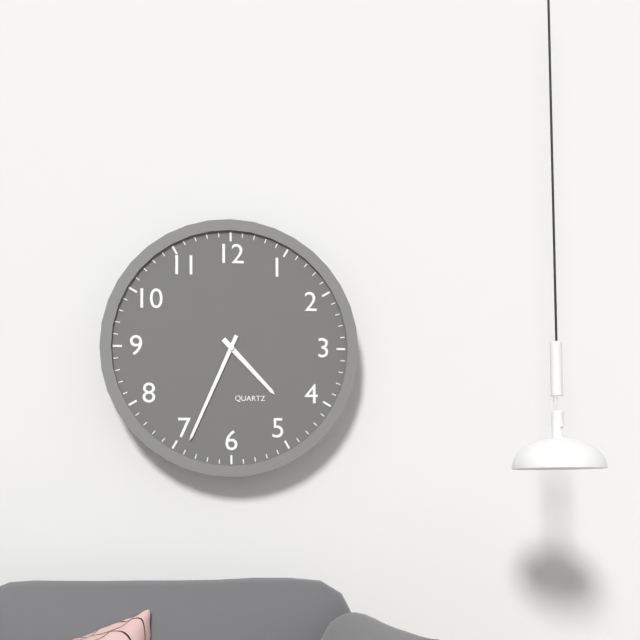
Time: **4:34**
